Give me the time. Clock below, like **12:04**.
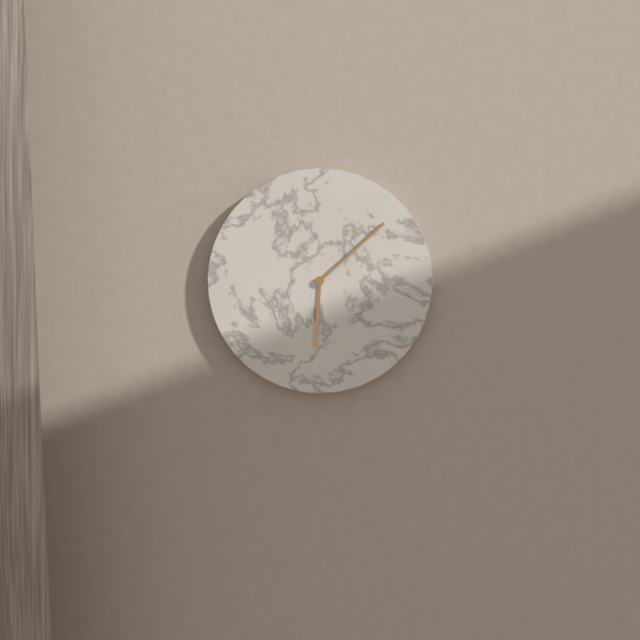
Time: **6:08**
